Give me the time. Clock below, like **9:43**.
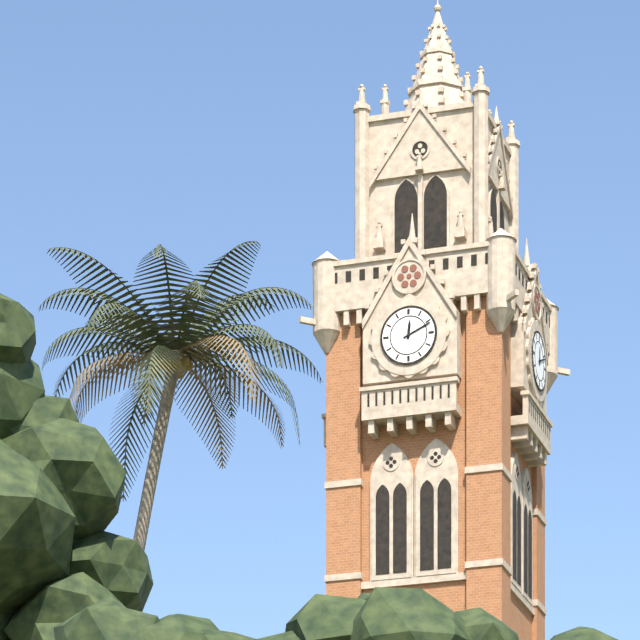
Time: **12:11**
